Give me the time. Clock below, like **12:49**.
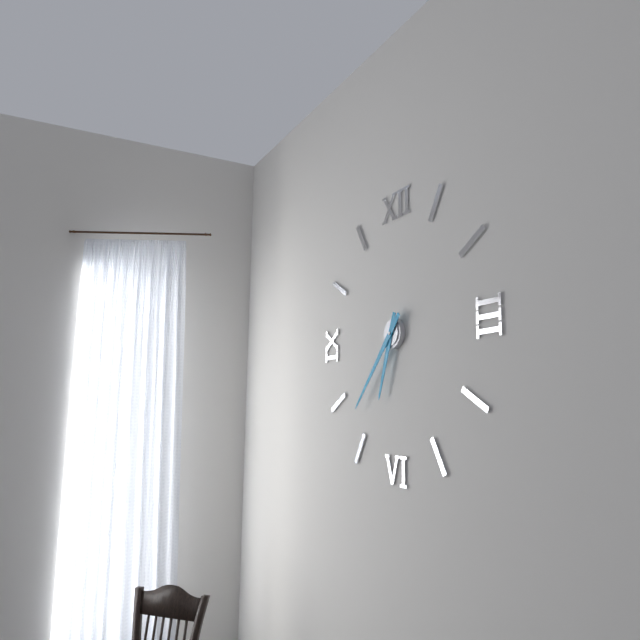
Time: **6:37**
